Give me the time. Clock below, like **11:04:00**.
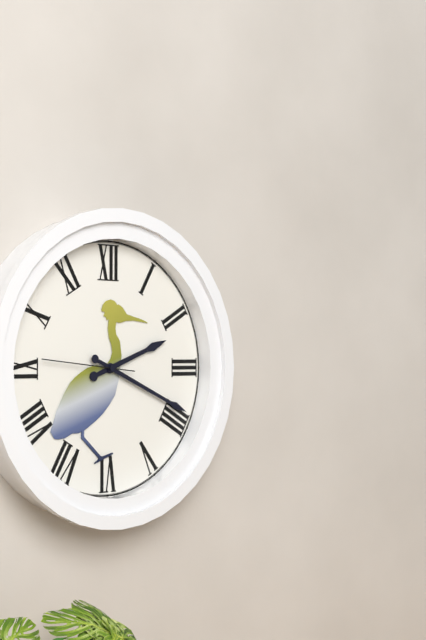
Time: **2:19:46**
